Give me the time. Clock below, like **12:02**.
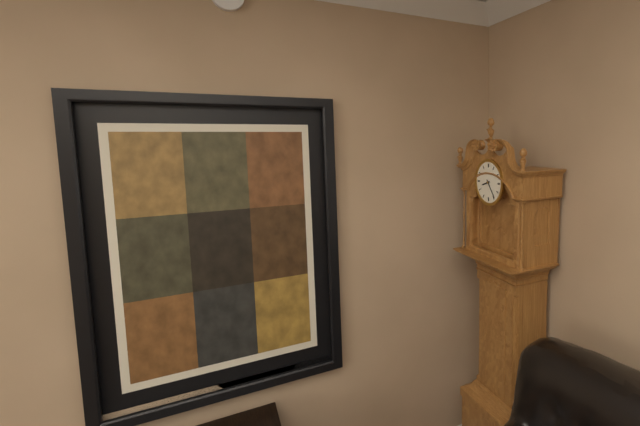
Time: **8:24**
